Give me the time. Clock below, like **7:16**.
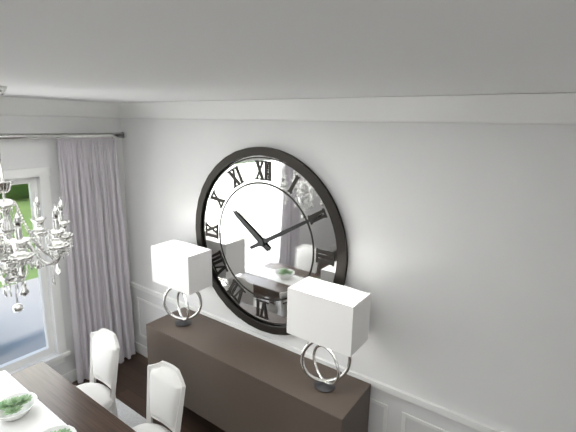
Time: **10:10**
